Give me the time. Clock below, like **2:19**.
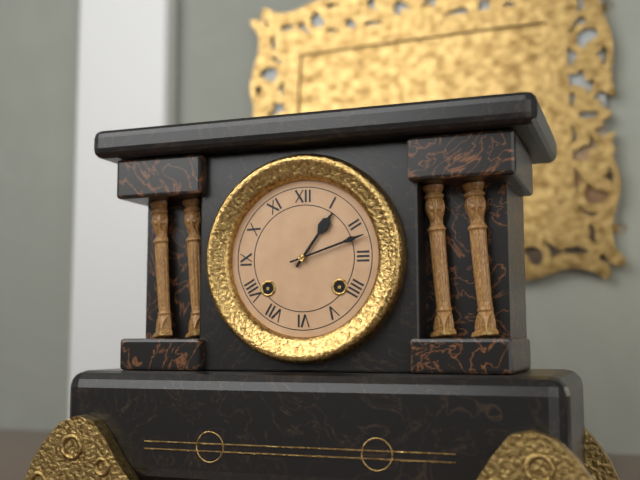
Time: **1:12**
